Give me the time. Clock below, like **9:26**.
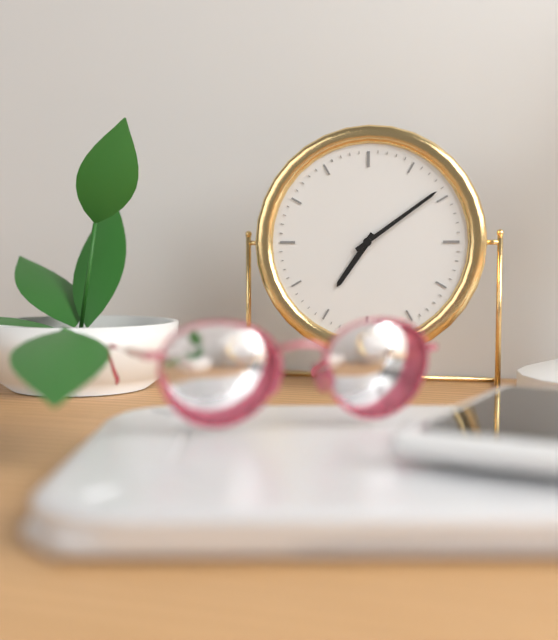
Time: **7:09**
